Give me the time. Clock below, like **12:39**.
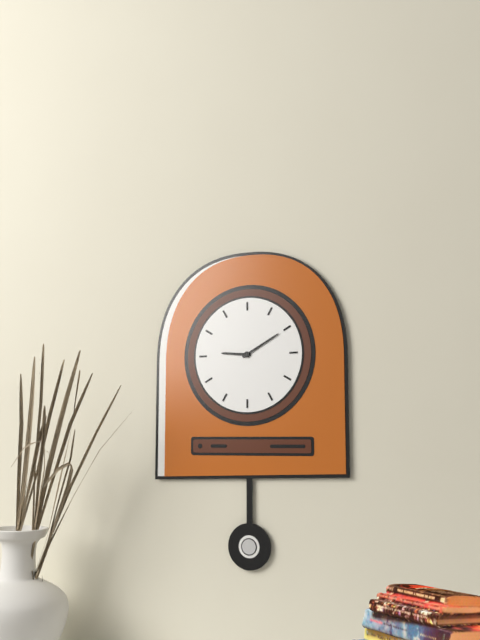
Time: **9:10**
